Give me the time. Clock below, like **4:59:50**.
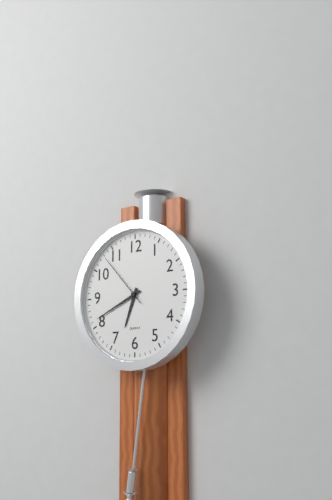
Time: **6:41:53**
